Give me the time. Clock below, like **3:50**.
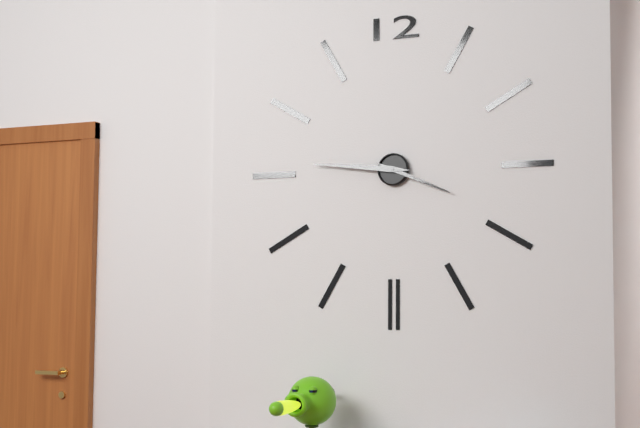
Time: **3:46**
